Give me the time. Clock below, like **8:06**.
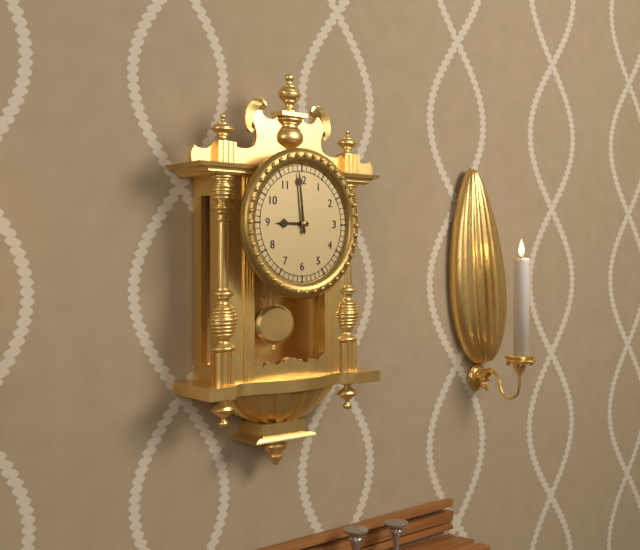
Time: **8:59**
